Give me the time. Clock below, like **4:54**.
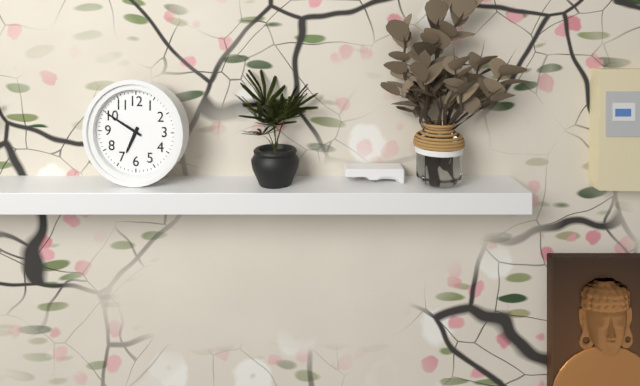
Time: **6:50**
